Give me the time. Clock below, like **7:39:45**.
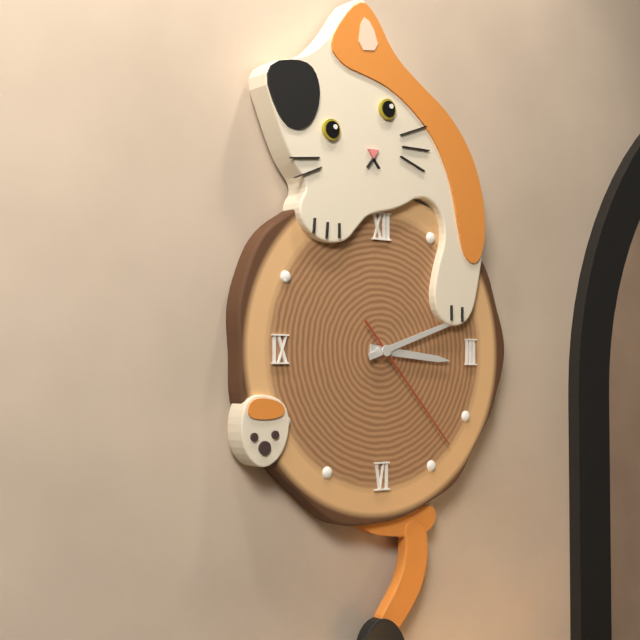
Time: **3:12:23**
